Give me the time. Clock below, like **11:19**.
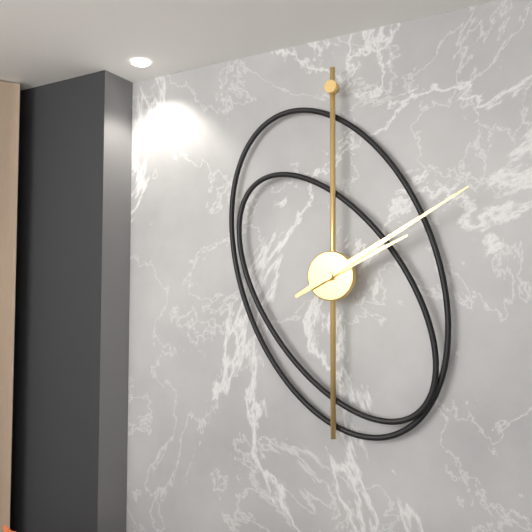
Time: **2:10**
